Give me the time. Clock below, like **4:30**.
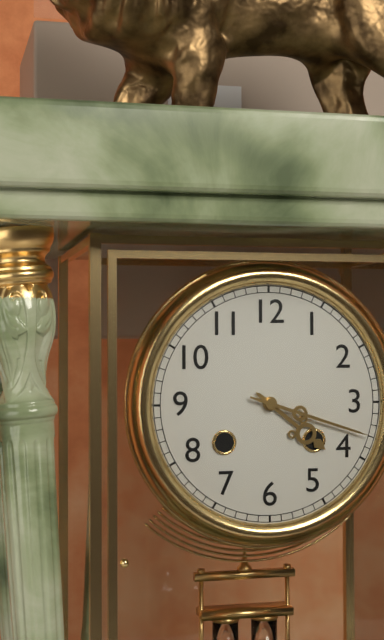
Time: **4:18**
